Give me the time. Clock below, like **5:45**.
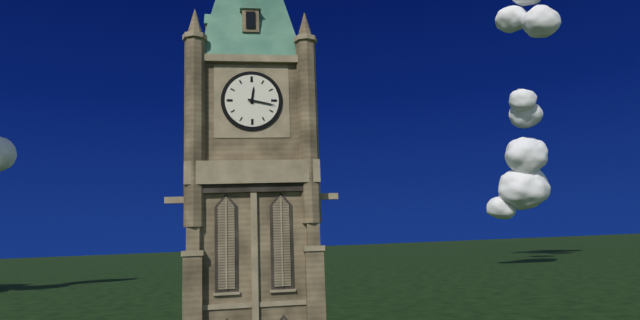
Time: **12:17**
